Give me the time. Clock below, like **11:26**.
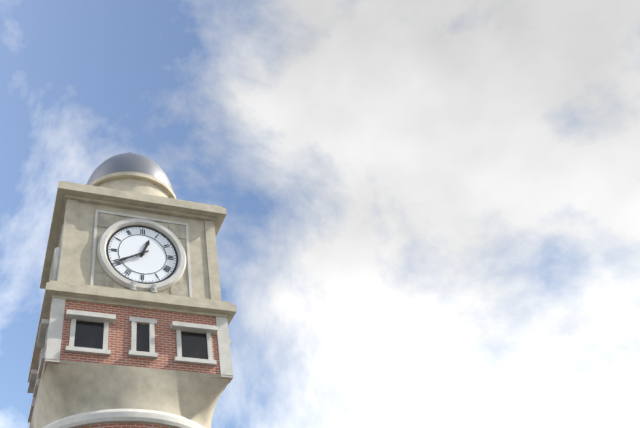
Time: **12:40**
